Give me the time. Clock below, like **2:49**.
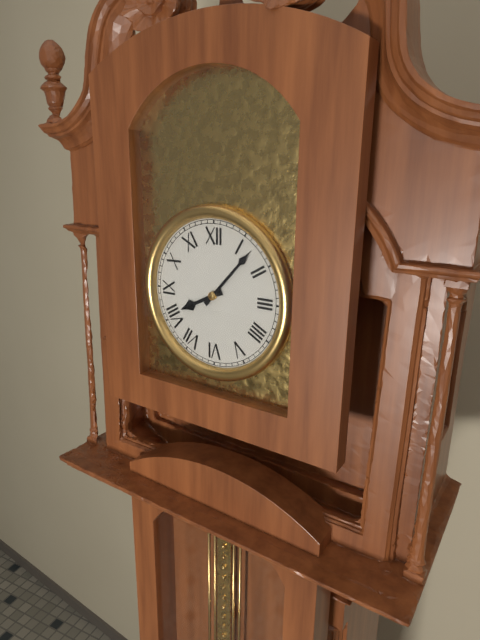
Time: **8:07**
